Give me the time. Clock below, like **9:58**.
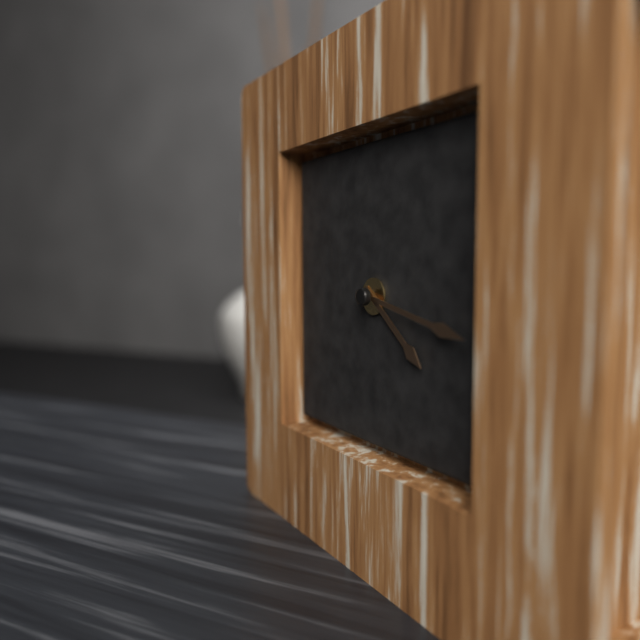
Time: **4:17**
